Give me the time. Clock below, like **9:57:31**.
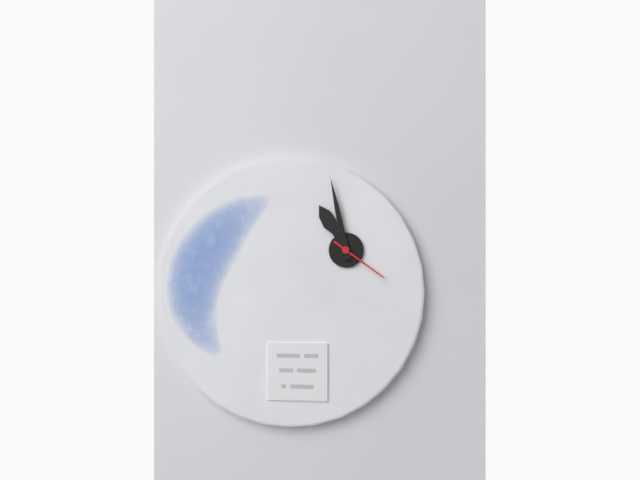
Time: **10:58:21**
